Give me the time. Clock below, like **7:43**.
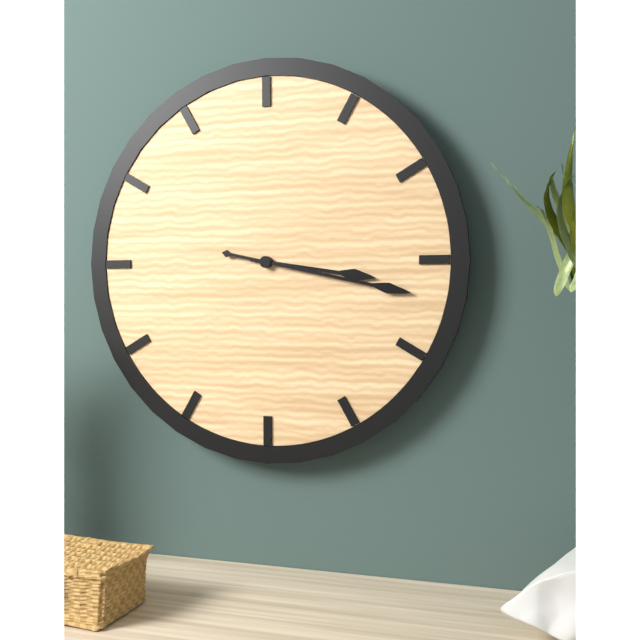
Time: **3:17**
